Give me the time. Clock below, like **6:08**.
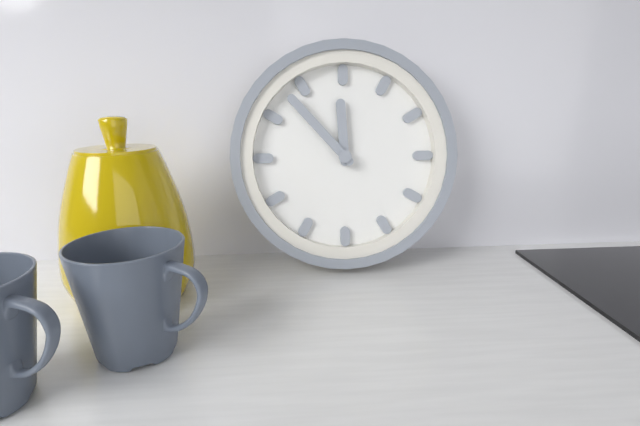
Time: **11:53**
